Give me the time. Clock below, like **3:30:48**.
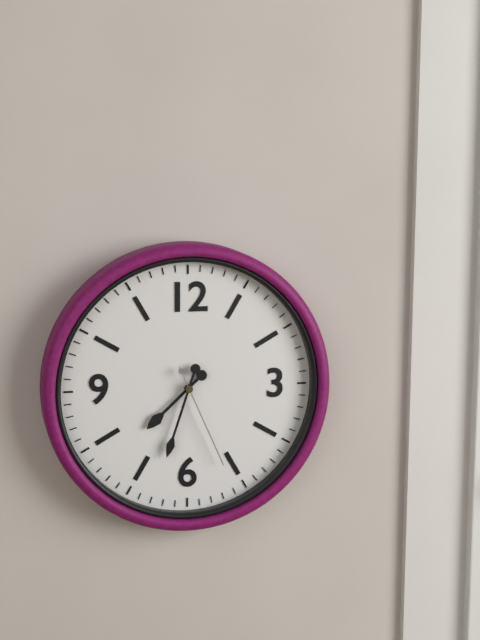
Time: **7:33:26**
